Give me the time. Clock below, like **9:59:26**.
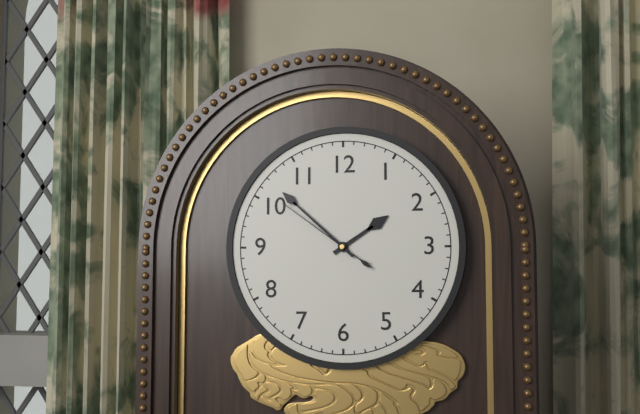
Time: **1:52:51**
